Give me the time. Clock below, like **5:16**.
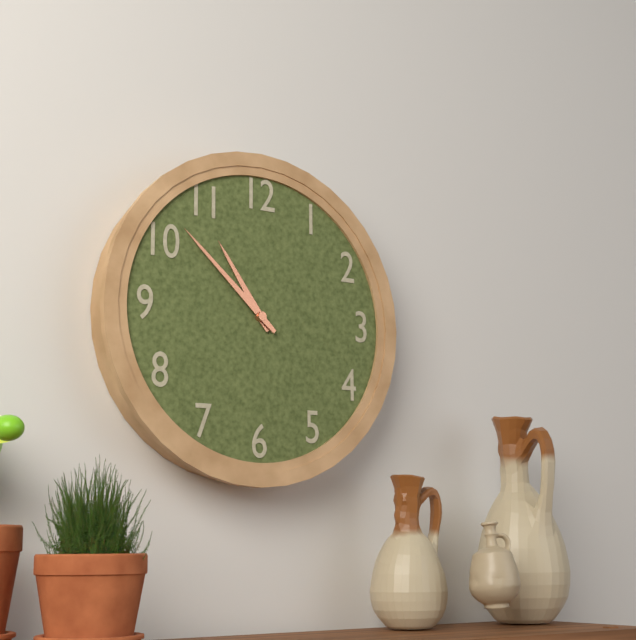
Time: **10:52**
